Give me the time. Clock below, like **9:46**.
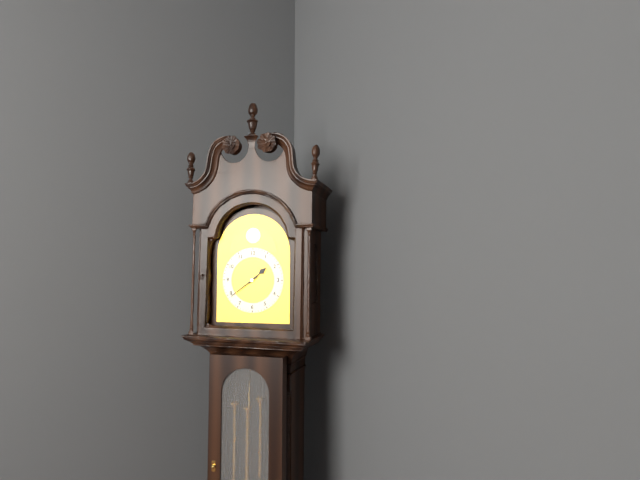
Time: **1:39**
